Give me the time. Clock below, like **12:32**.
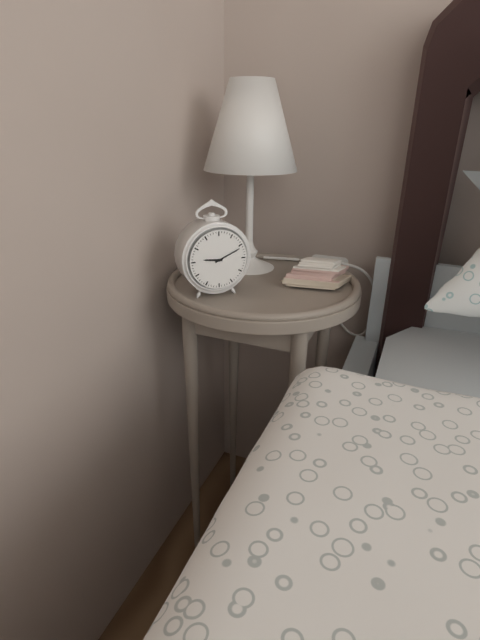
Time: **9:11**
